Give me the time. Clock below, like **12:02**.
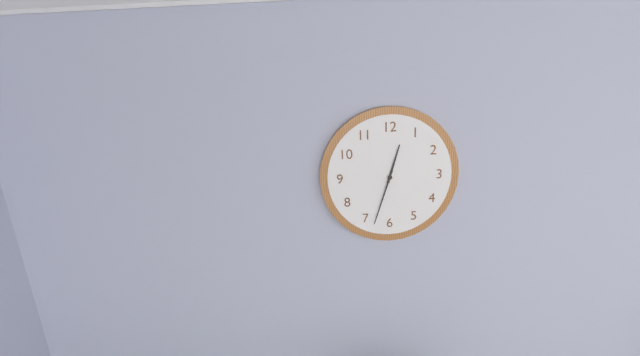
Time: **12:33**
